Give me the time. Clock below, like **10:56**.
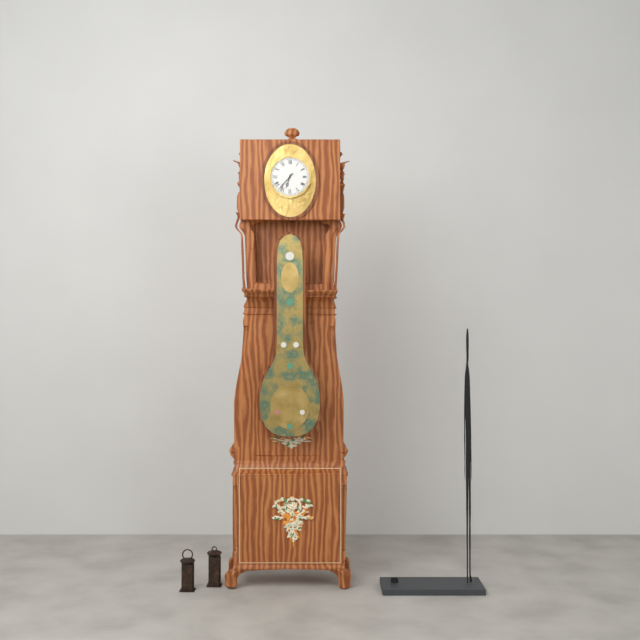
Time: **6:37**
